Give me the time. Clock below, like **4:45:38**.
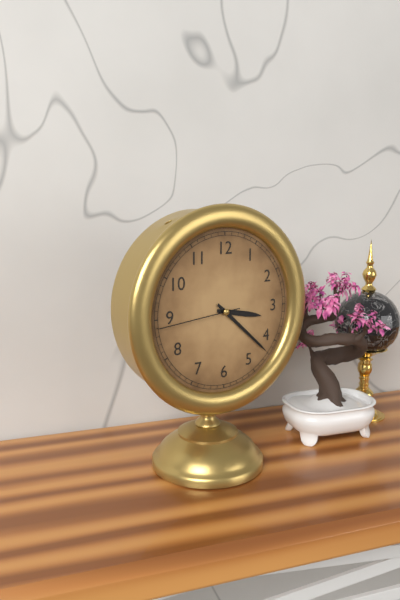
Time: **3:22:44**
